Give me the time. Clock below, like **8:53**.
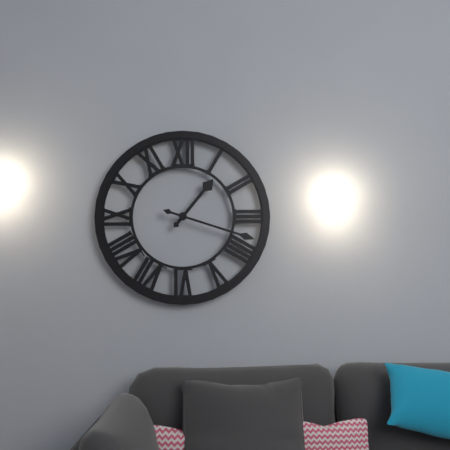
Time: **1:18**
